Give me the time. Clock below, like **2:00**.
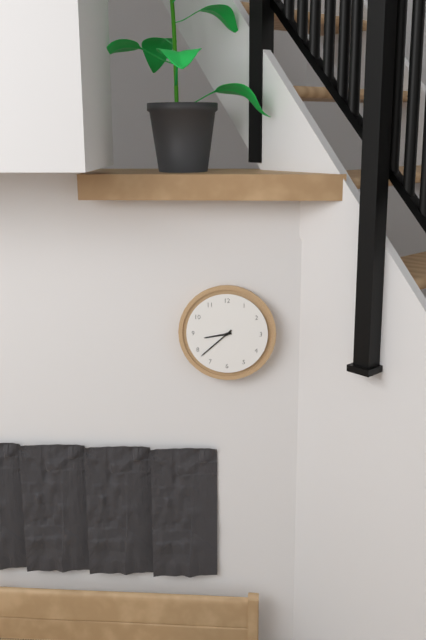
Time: **8:38**
